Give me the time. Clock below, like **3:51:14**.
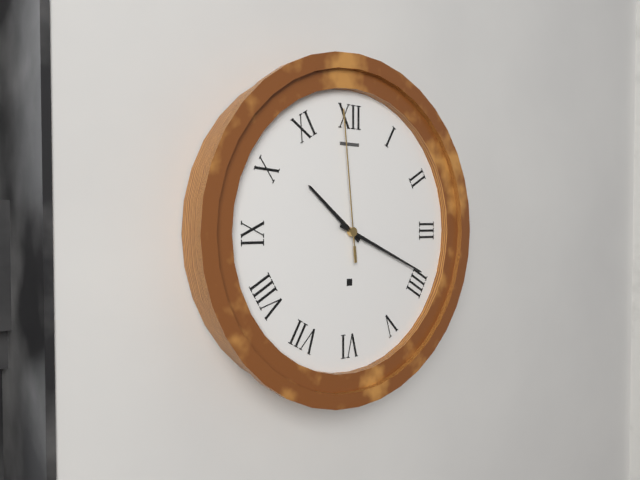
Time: **10:19:59**
